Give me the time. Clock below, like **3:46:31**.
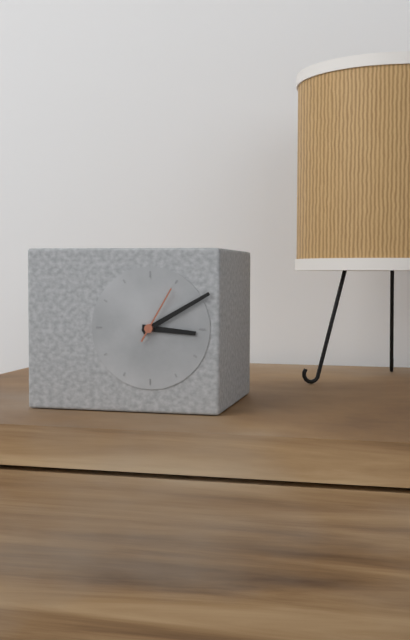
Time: **3:10:05**
